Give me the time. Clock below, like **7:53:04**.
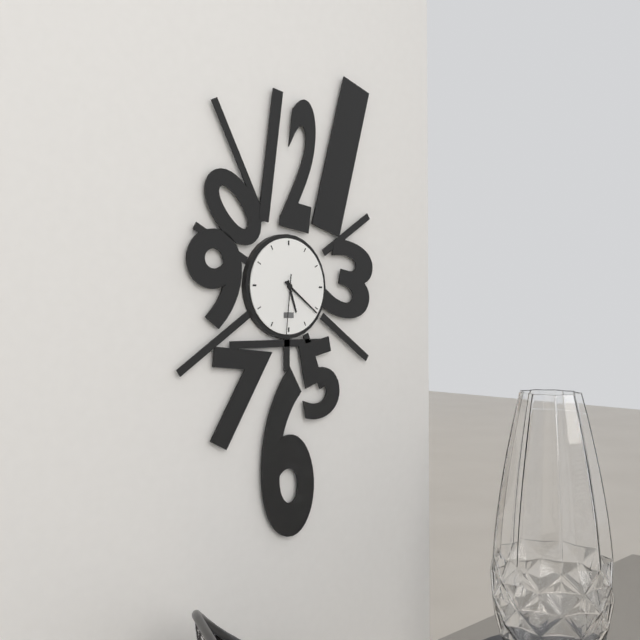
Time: **5:21:31**
